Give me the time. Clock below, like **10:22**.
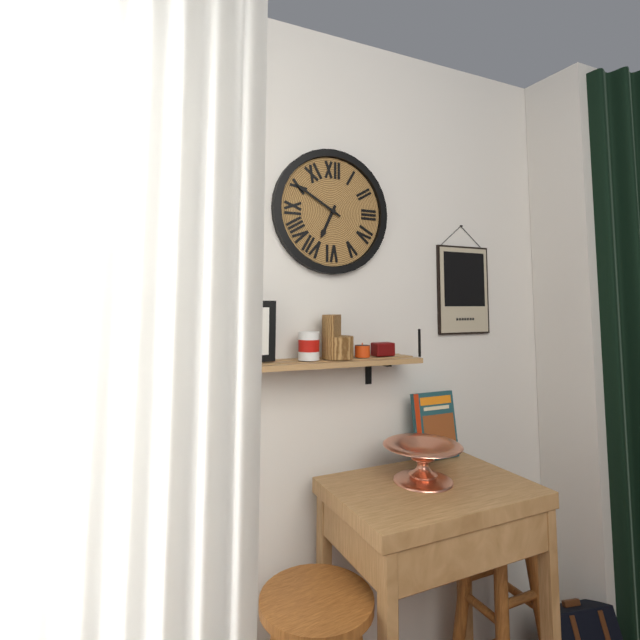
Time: **6:50**
